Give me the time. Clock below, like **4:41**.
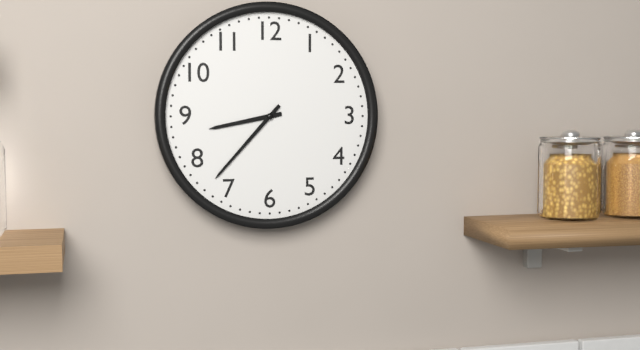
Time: **8:37**
